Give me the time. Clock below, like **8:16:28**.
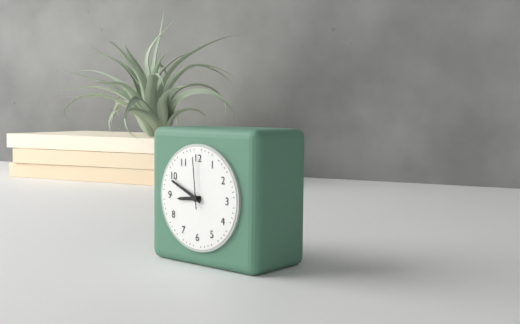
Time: **8:49:59**
